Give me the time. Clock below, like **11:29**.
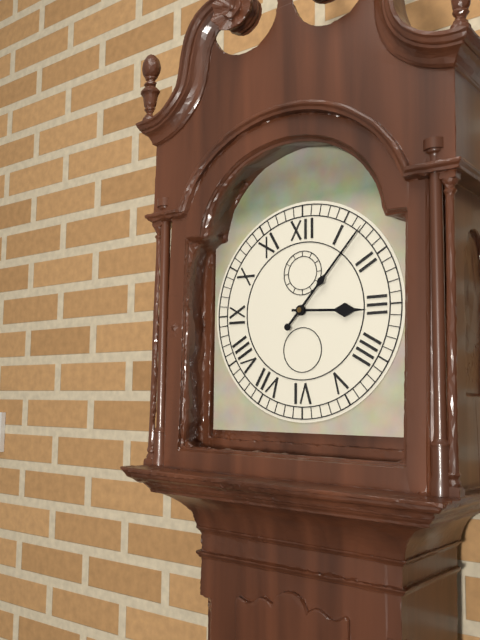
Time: **3:07**
